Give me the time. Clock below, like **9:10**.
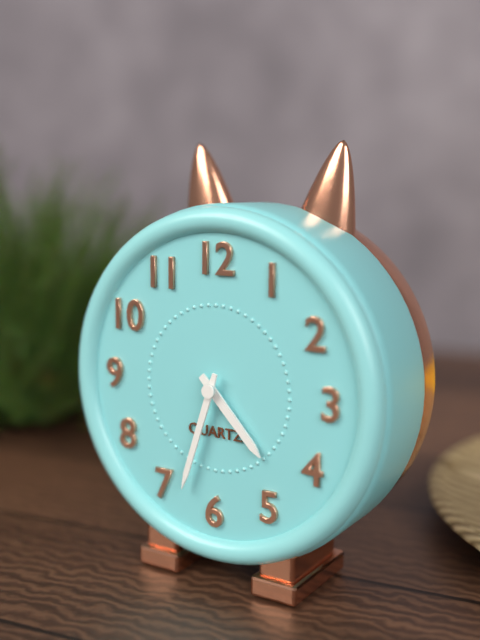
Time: **4:33**
